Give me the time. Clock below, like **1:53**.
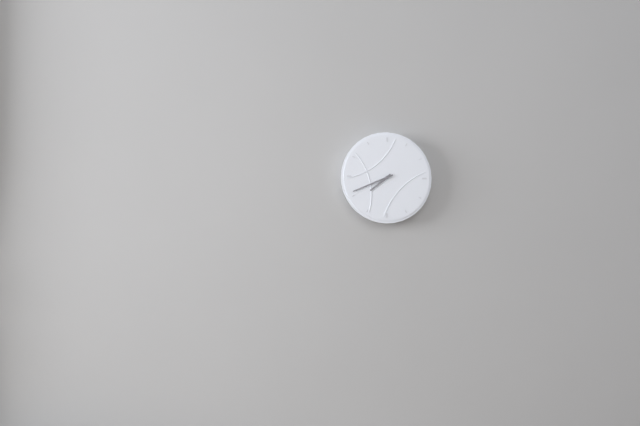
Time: **7:41**
